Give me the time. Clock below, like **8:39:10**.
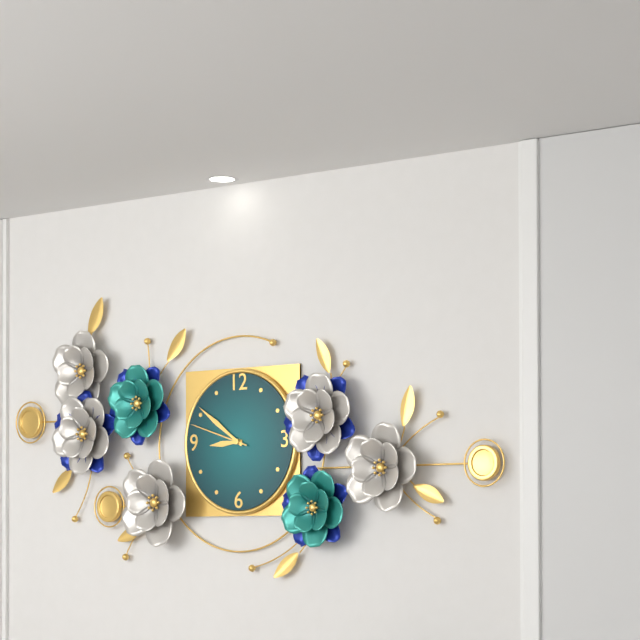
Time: **8:51:48**
